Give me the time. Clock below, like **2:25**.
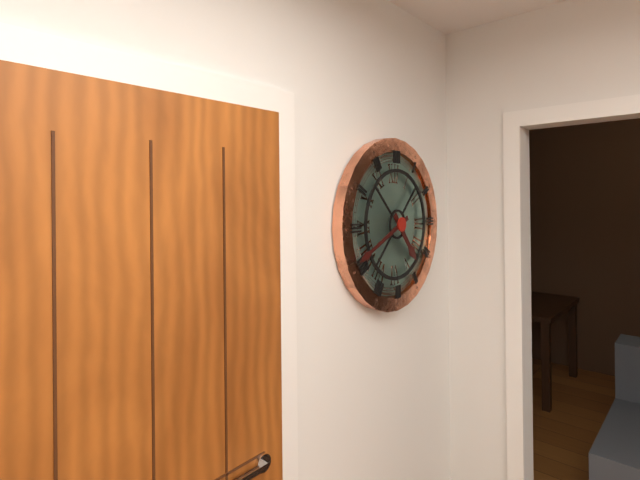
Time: **4:41**
